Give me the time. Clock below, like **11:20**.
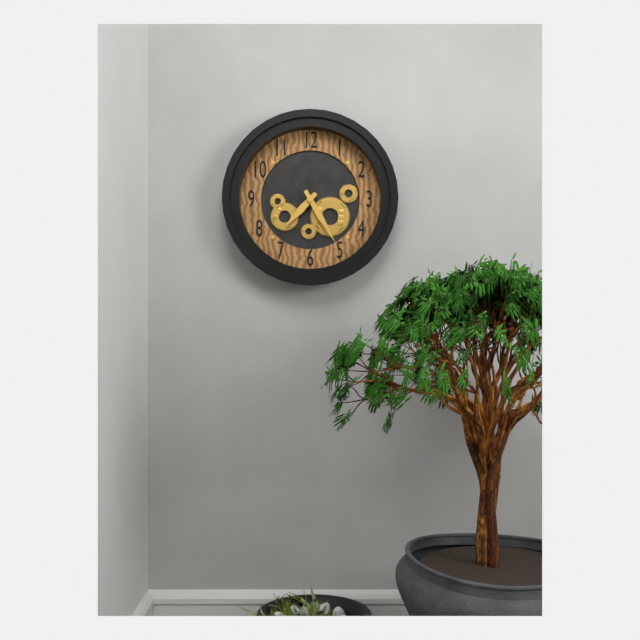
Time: **7:25**
